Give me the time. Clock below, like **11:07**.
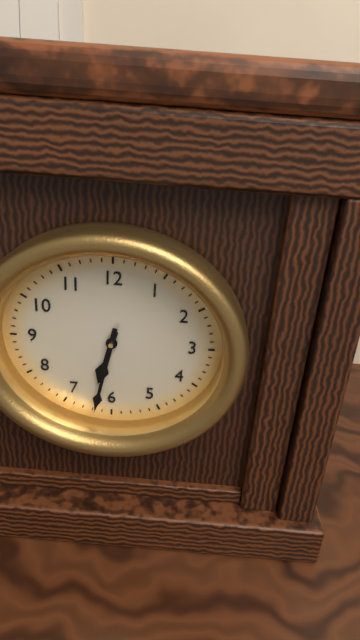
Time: **6:32**
